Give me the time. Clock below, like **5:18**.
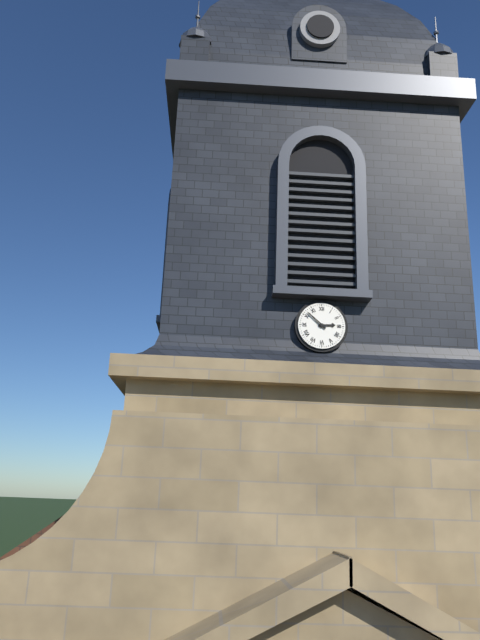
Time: **2:52**
